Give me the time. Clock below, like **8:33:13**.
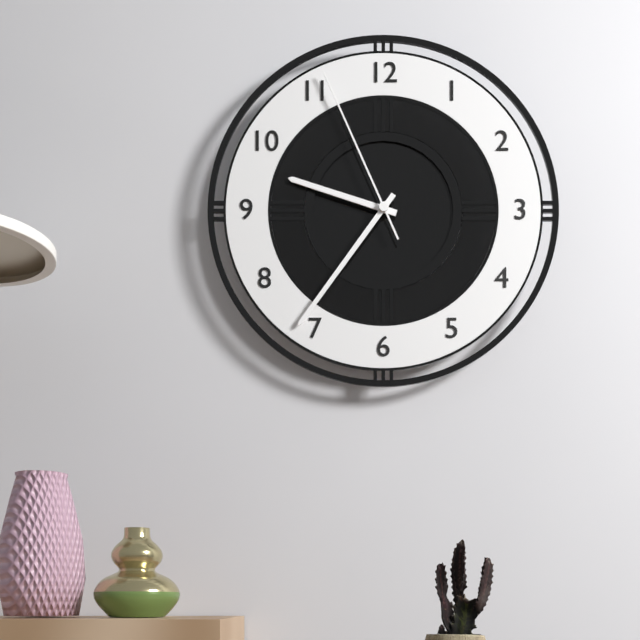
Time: **9:36:56**
